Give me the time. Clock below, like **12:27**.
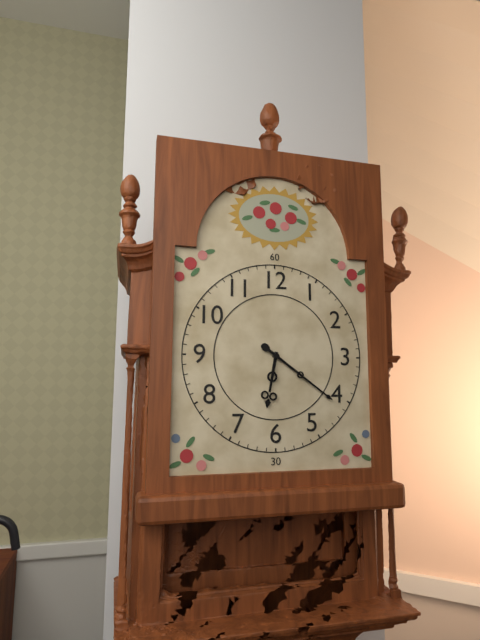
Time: **6:21**
